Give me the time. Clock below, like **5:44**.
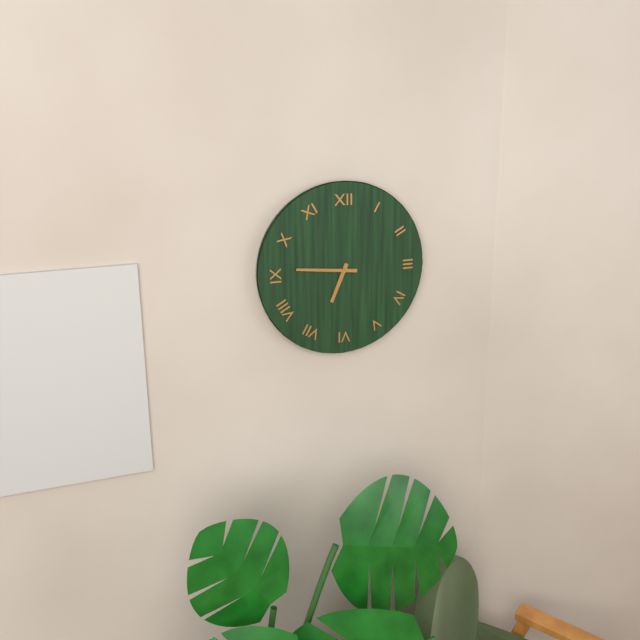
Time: **6:46**
